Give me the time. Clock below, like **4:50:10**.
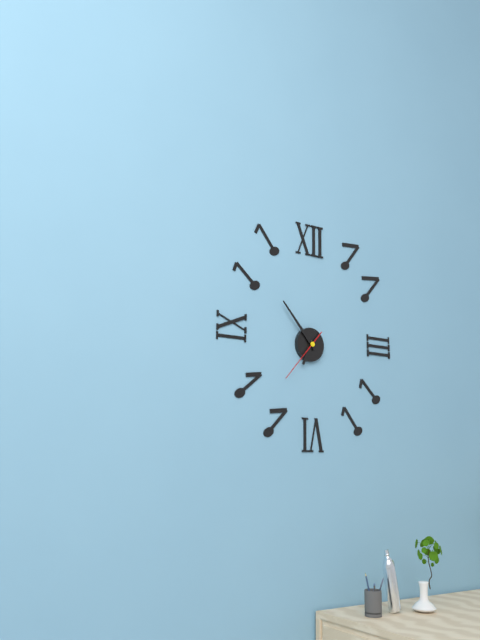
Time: **6:53:37**
